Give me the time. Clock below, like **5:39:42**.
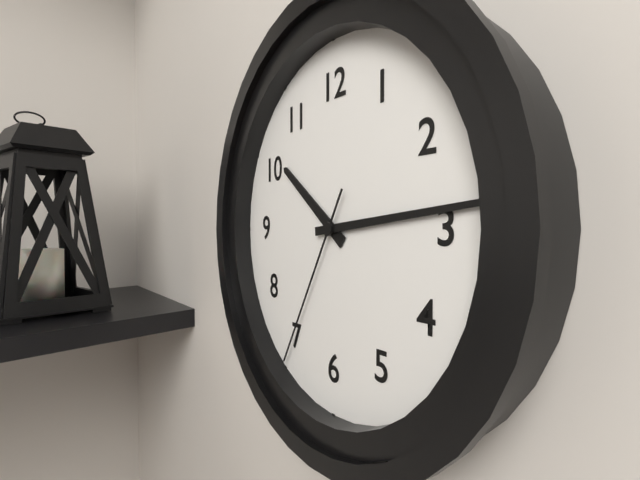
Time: **10:14:35**
